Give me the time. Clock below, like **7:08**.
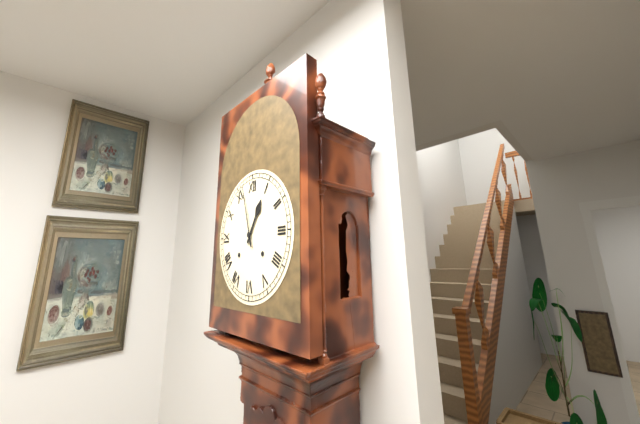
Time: **12:57**
